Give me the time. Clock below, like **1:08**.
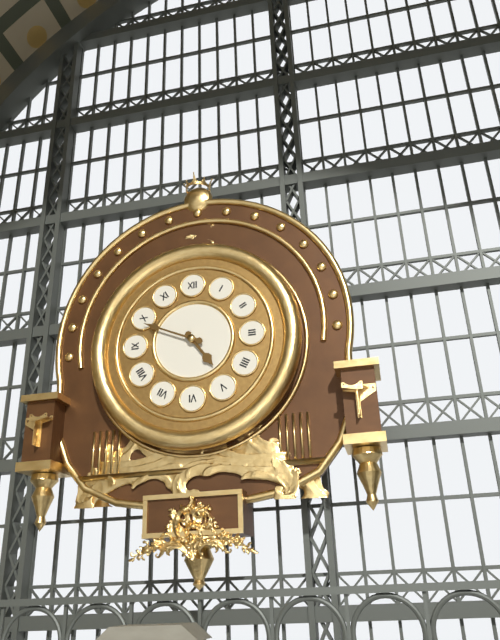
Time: **4:49**
